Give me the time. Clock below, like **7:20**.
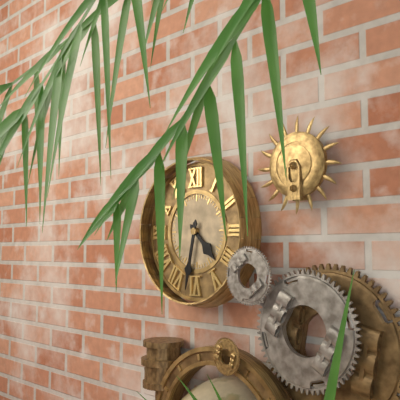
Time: **4:32**
